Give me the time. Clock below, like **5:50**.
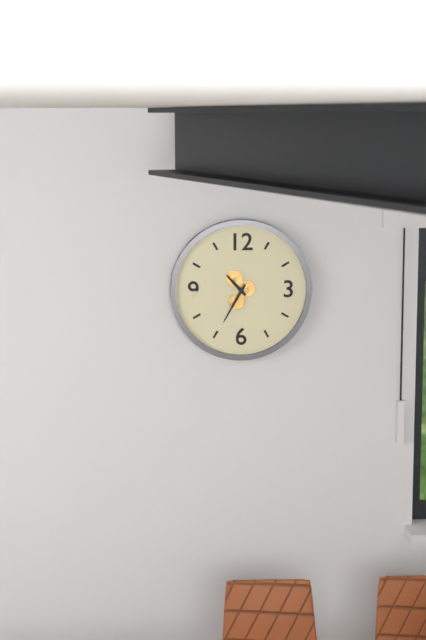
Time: **10:35**
